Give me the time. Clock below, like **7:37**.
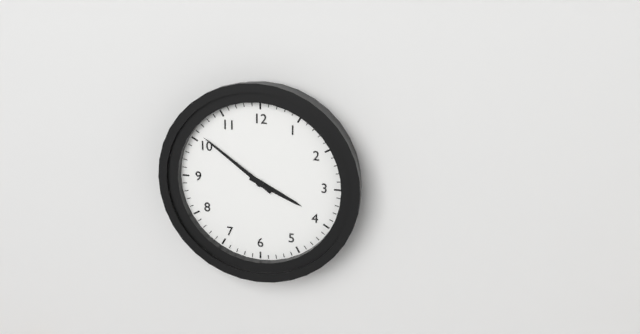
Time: **3:51**
